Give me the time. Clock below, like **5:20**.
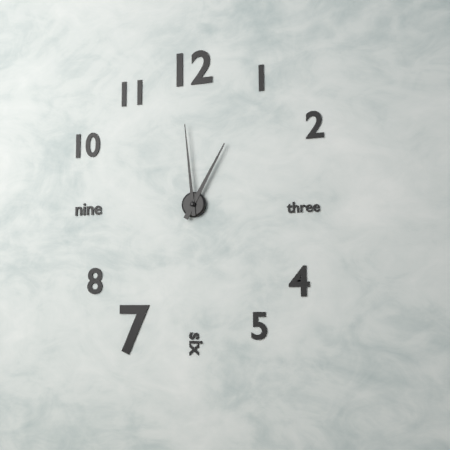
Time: **12:59**
